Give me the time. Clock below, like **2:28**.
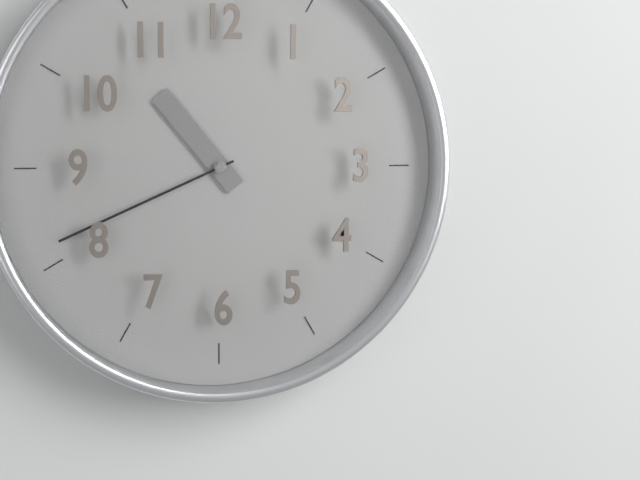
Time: **10:41**
